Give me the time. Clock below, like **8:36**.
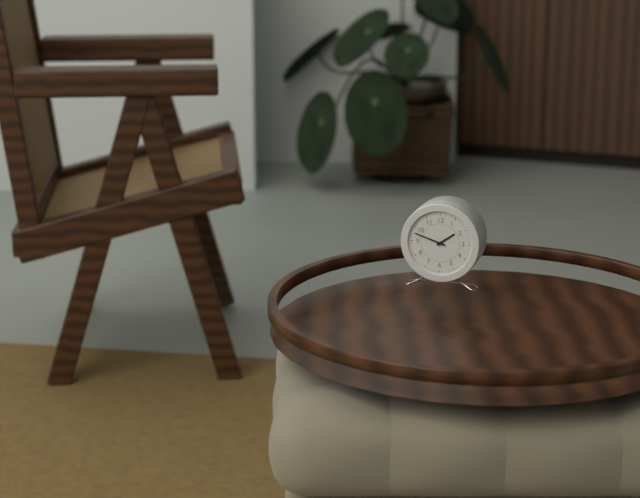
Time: **1:48**
